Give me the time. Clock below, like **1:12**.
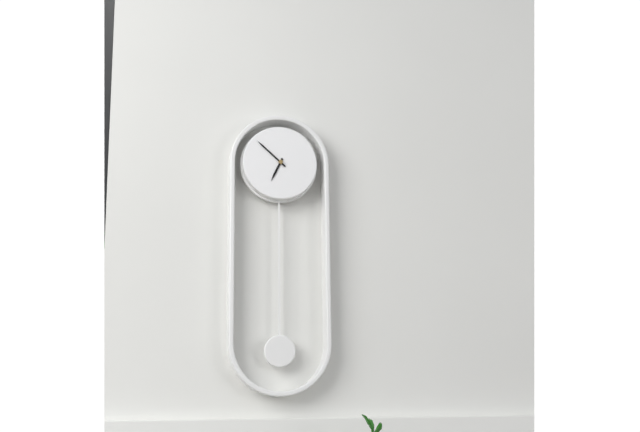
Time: **6:52**
